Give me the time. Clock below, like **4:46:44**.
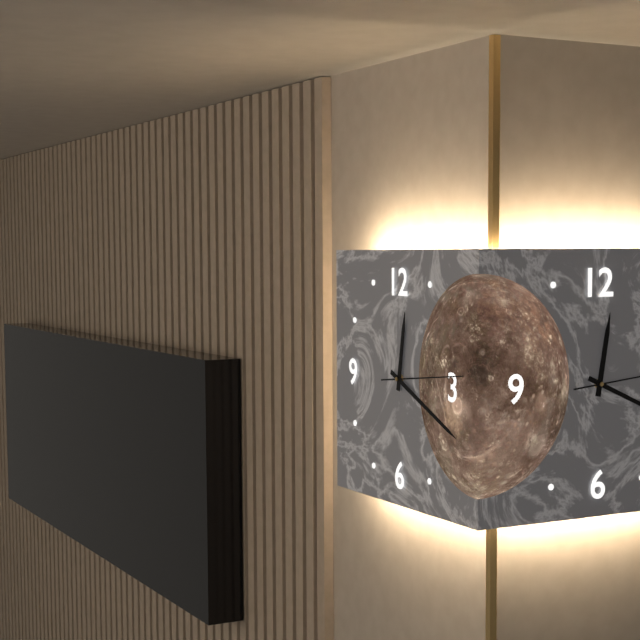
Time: **12:19:14**
